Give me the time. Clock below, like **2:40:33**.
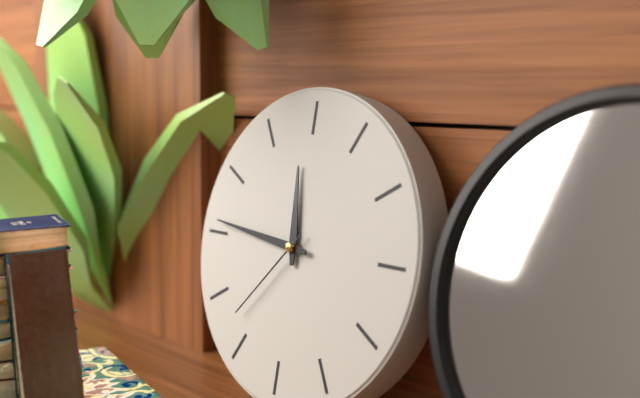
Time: **11:46:37**
